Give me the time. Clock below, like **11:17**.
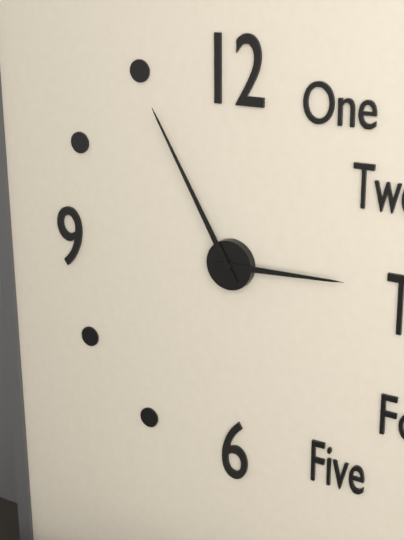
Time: **2:55**
